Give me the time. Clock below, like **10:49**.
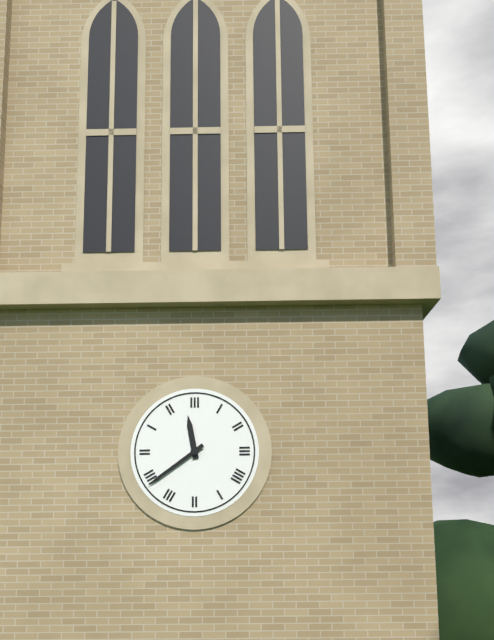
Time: **11:39**
